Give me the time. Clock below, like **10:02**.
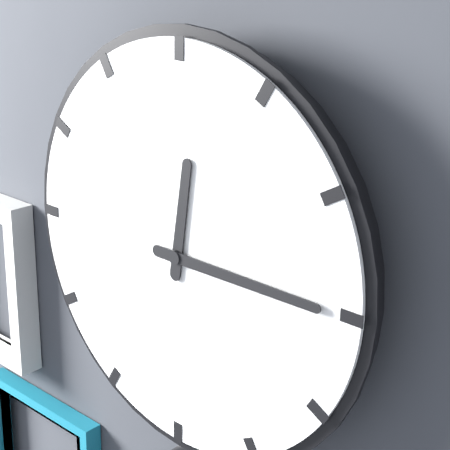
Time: **12:15**
